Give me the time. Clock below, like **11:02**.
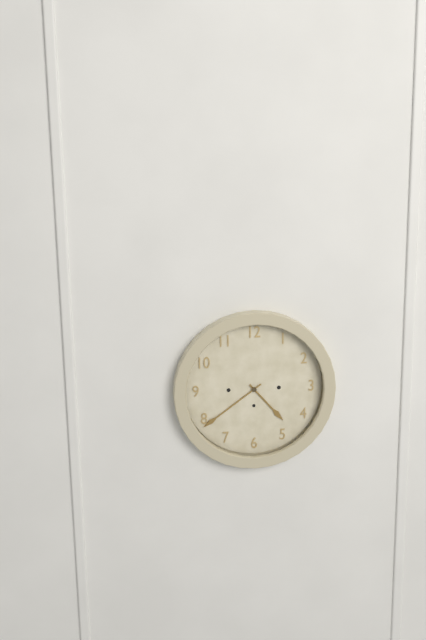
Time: **4:39**
